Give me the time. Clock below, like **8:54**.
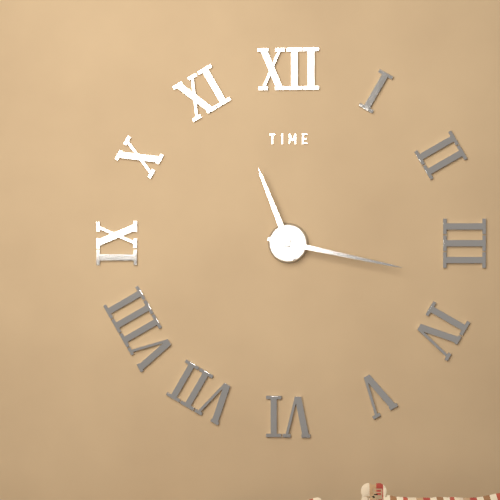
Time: **11:17**
